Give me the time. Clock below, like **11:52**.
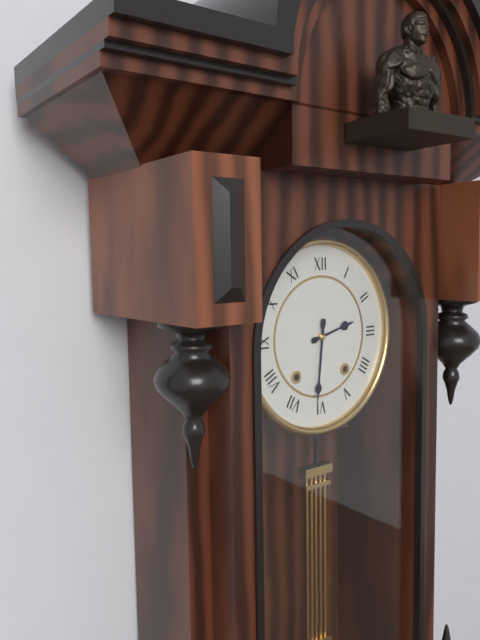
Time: **2:31**
